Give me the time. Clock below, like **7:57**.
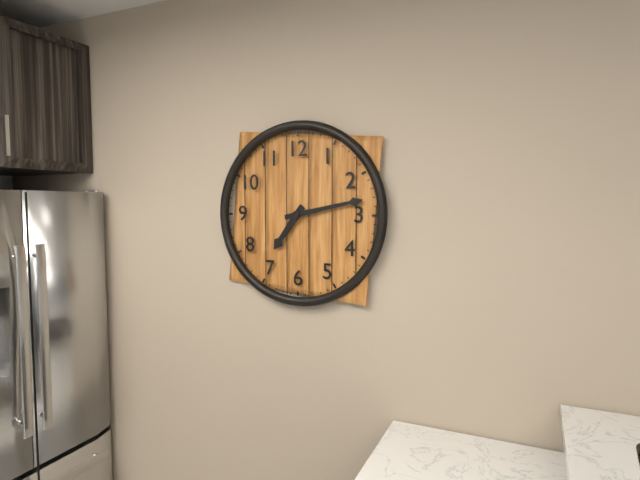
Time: **7:13**
